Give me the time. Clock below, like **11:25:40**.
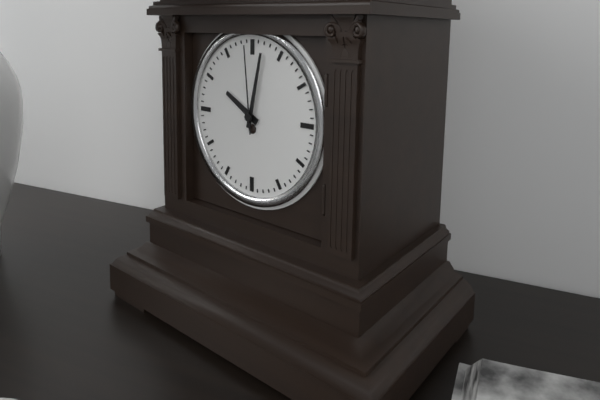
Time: **10:02:59**
